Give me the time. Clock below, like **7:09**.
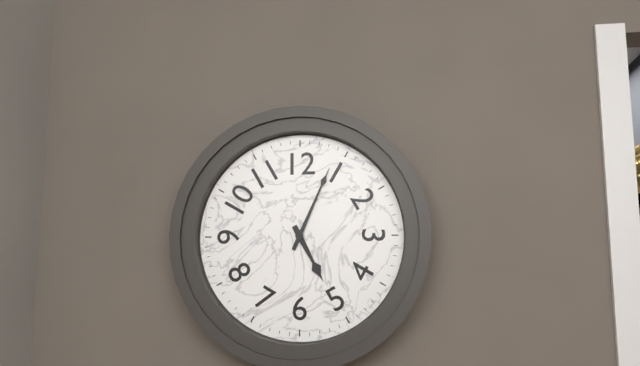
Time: **5:04**
